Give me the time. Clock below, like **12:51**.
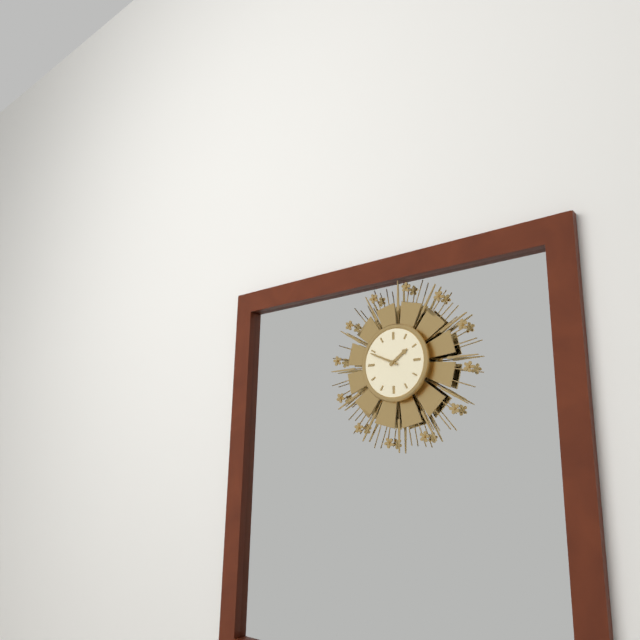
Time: **1:49**
